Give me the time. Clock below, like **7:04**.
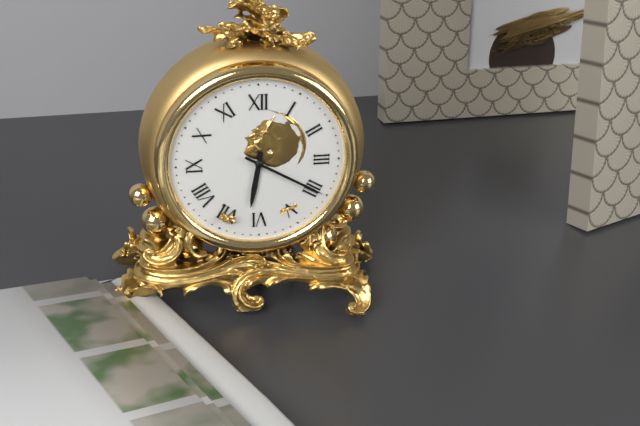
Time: **6:20**
